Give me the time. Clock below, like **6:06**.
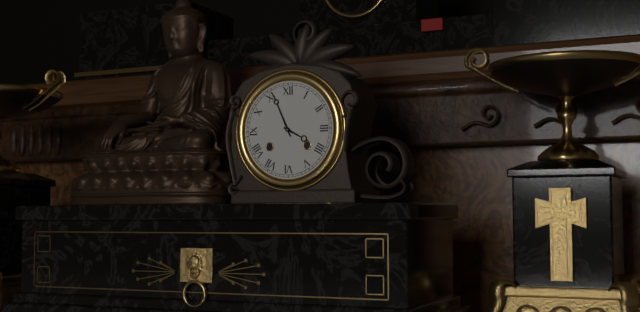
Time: **3:56**
